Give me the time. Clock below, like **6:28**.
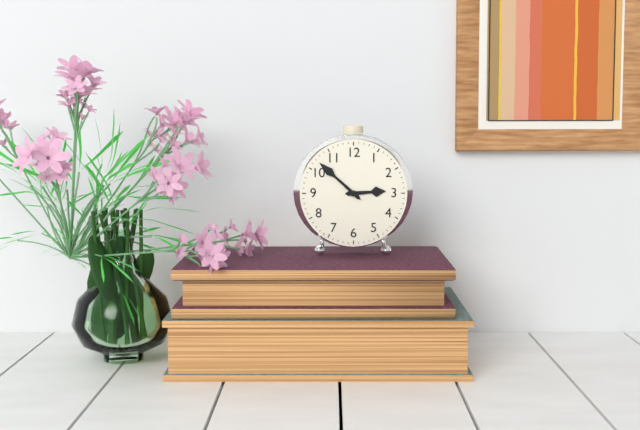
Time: **2:52**
